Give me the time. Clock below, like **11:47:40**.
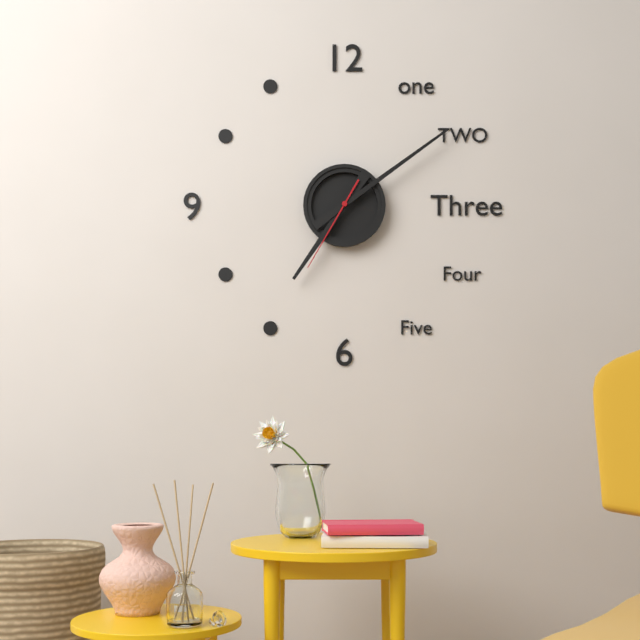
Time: **7:09:35**
